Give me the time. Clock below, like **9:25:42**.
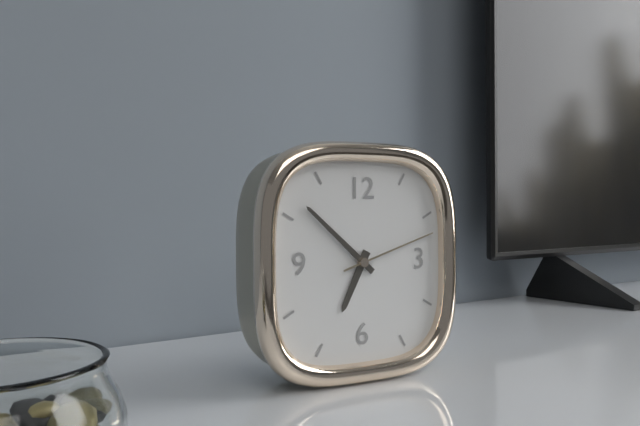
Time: **6:52:12**
